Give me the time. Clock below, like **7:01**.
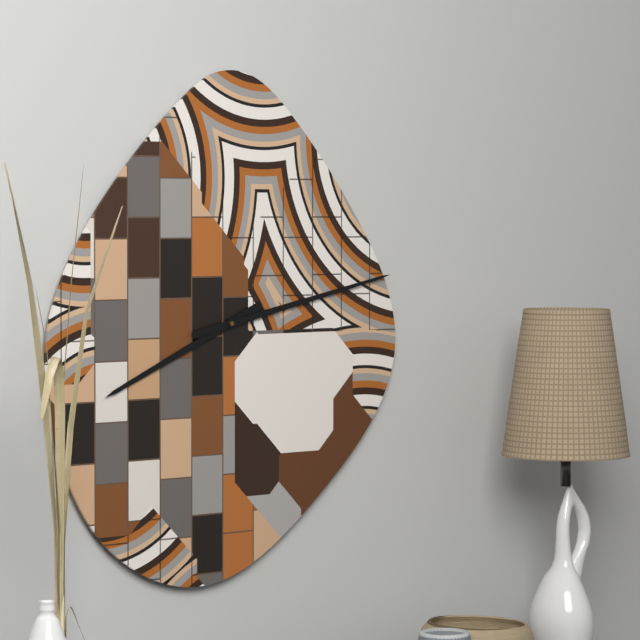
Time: **8:13**
